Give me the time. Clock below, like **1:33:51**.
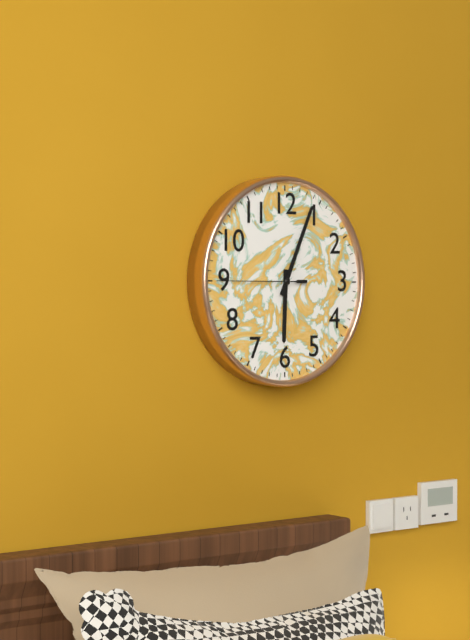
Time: **6:04:45**
